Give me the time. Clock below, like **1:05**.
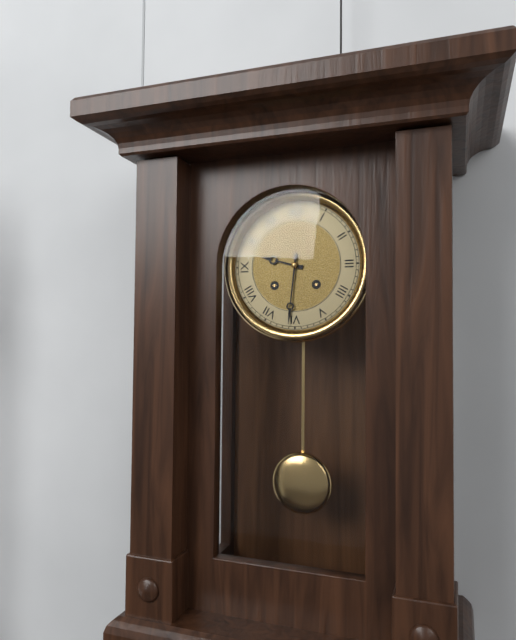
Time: **9:31**
